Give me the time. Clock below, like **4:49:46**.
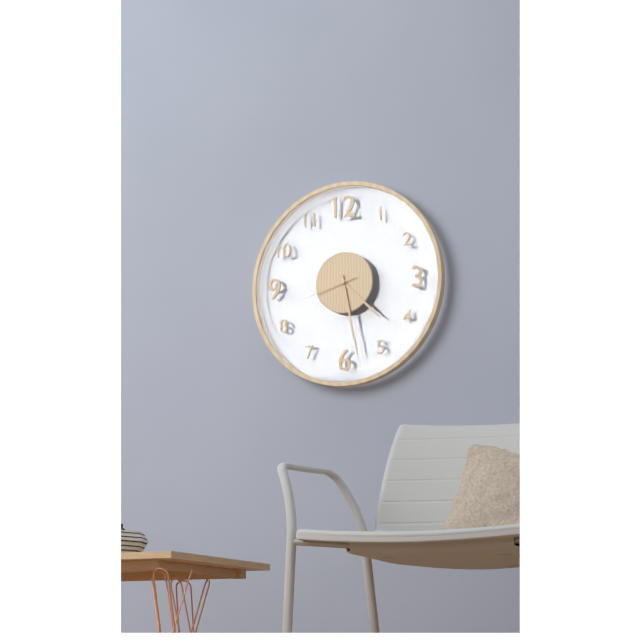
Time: **4:28:42**
